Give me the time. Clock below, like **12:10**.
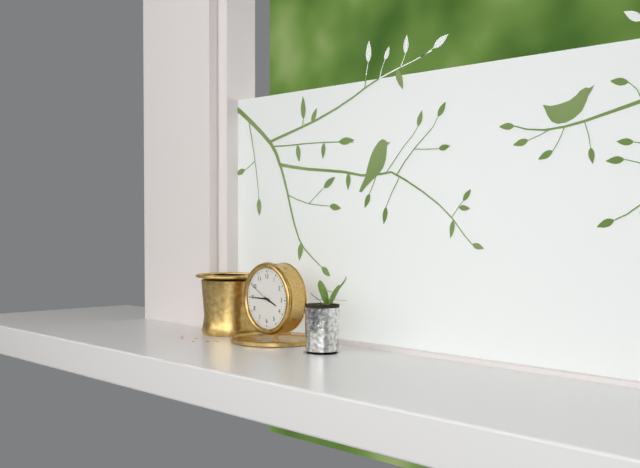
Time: **3:45**
